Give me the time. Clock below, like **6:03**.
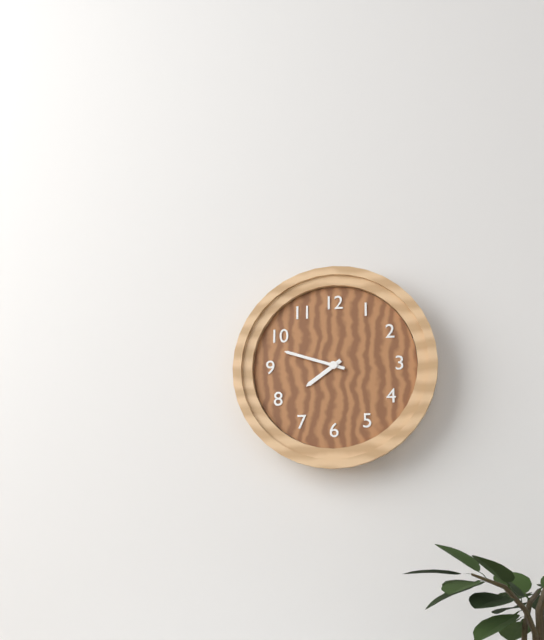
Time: **7:48**
